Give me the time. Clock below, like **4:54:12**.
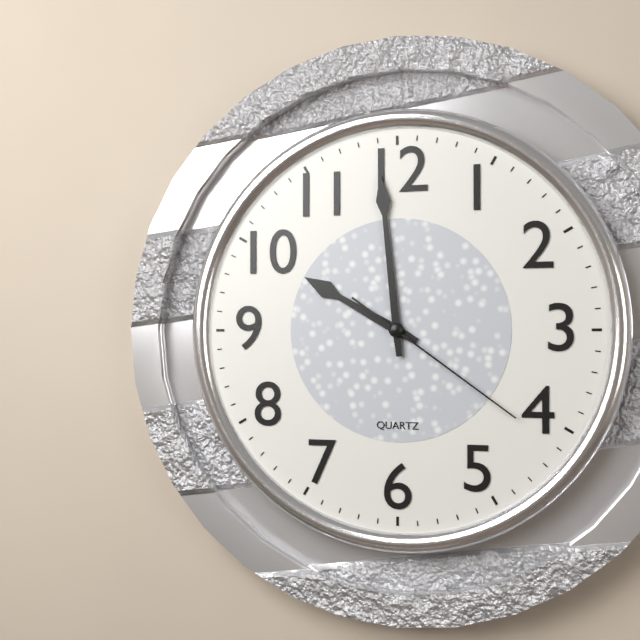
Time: **9:59:21**
